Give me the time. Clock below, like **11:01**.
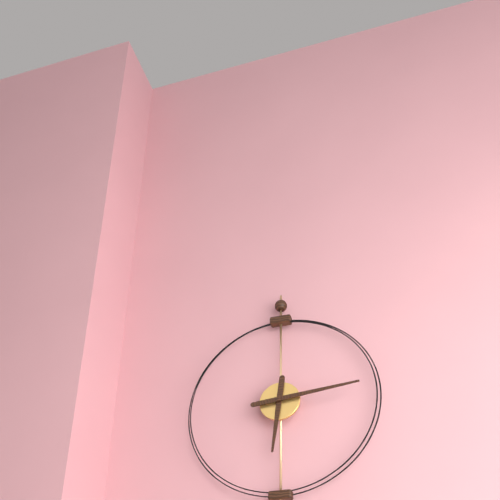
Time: **6:14**
